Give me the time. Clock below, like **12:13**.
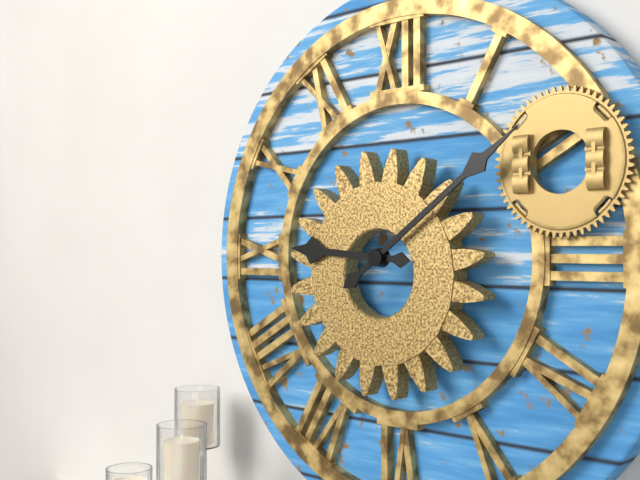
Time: **9:09**
